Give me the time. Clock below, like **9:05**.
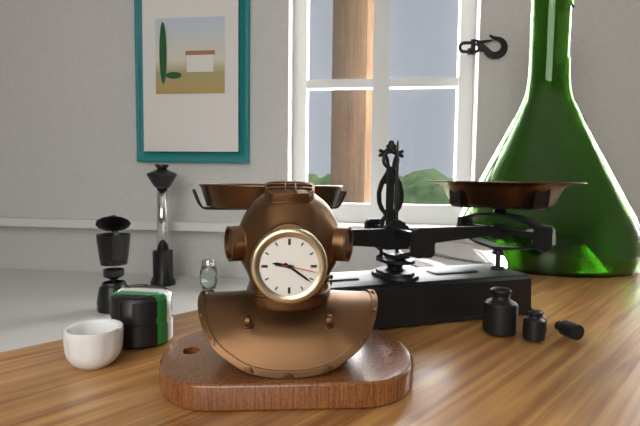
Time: **9:21**
